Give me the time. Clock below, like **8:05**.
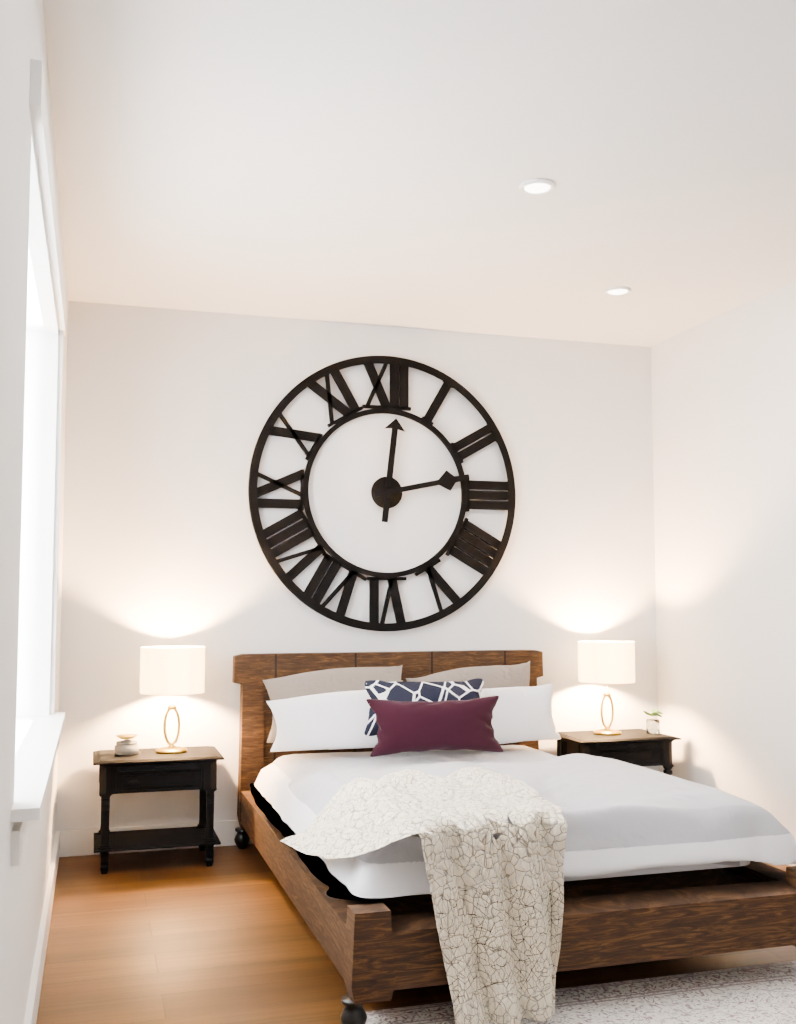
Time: **12:13**
